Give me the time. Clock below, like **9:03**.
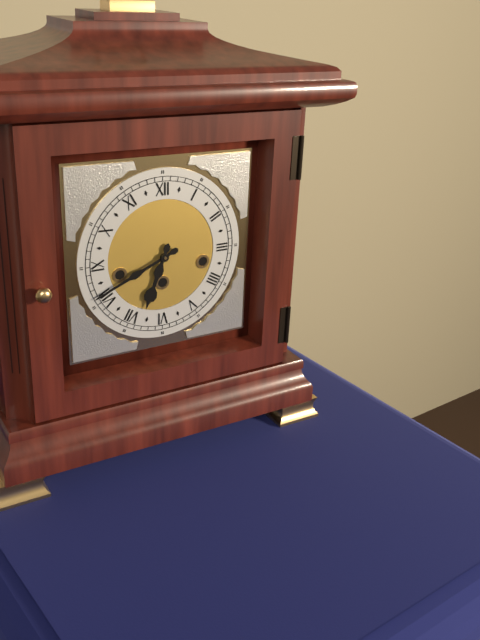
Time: **6:41**
